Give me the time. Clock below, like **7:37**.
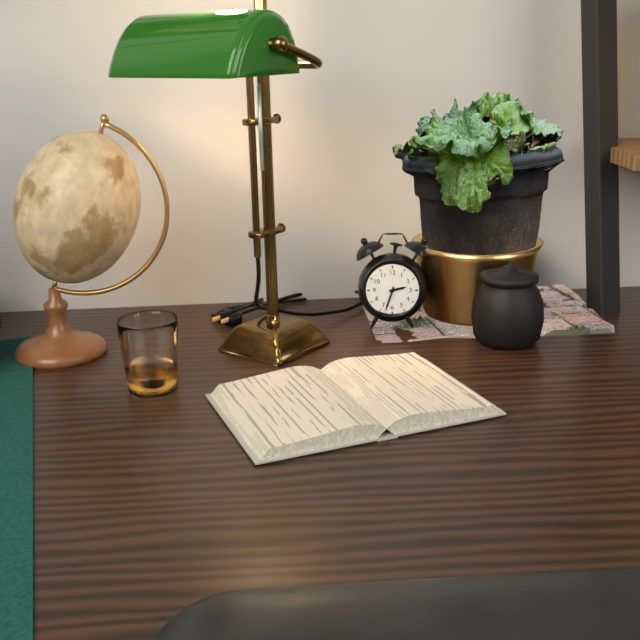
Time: **2:33**
